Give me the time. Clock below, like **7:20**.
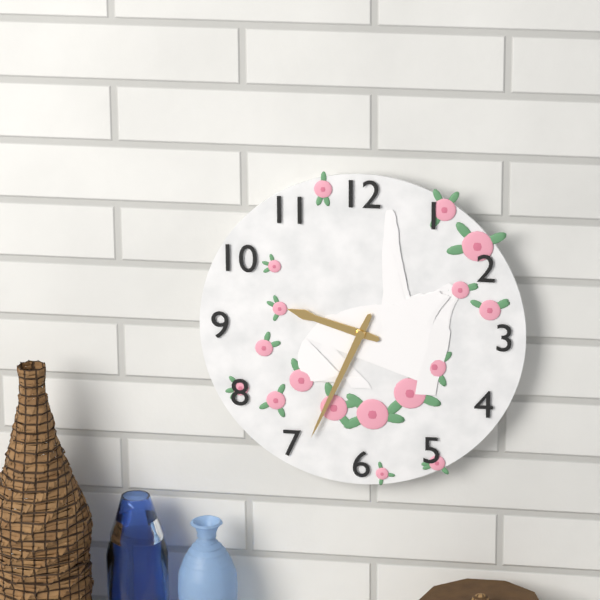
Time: **9:34**
